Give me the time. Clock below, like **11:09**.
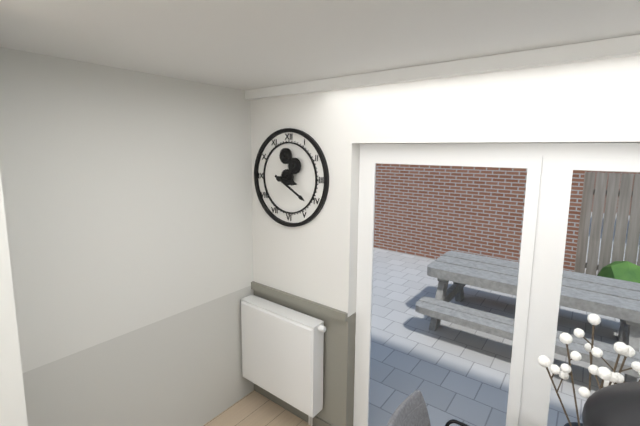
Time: **3:20**
